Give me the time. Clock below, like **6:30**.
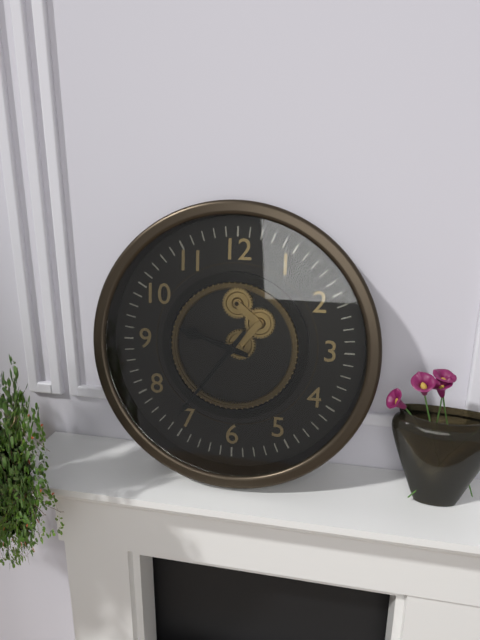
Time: **9:36**
